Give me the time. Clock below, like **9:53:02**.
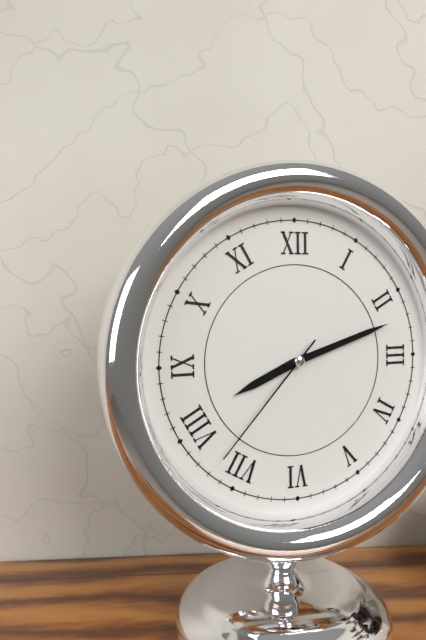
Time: **8:12:37**
